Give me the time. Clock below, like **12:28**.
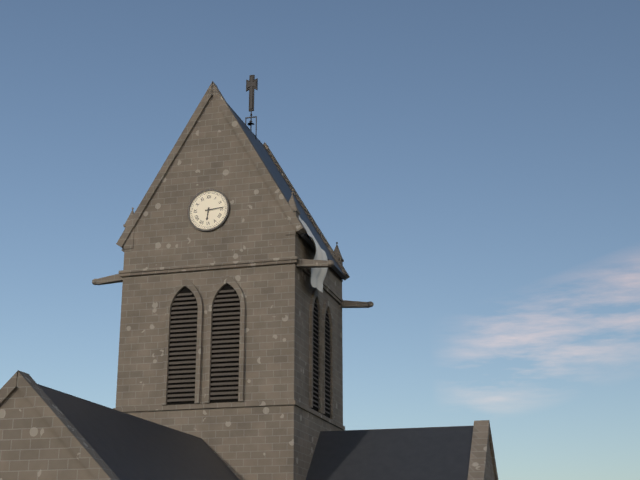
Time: **6:14**
